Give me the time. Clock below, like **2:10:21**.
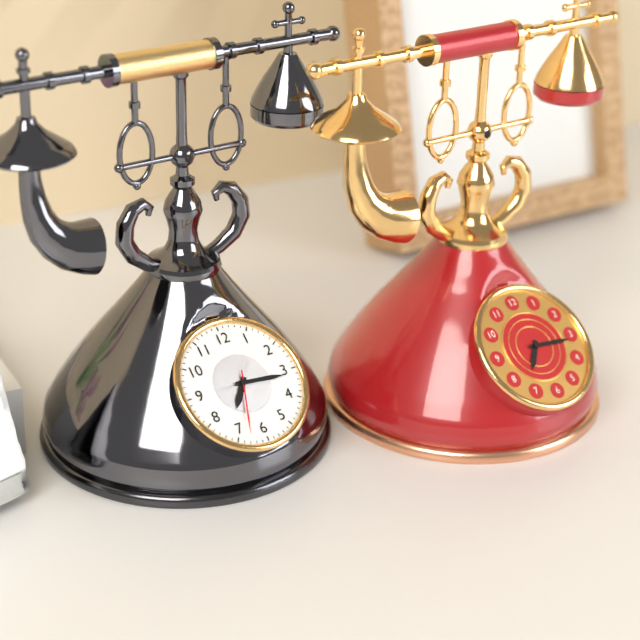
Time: **7:16:33**
